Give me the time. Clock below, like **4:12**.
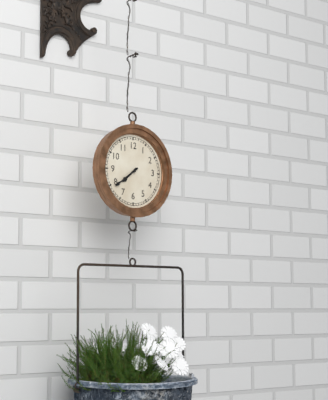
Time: **7:39**
